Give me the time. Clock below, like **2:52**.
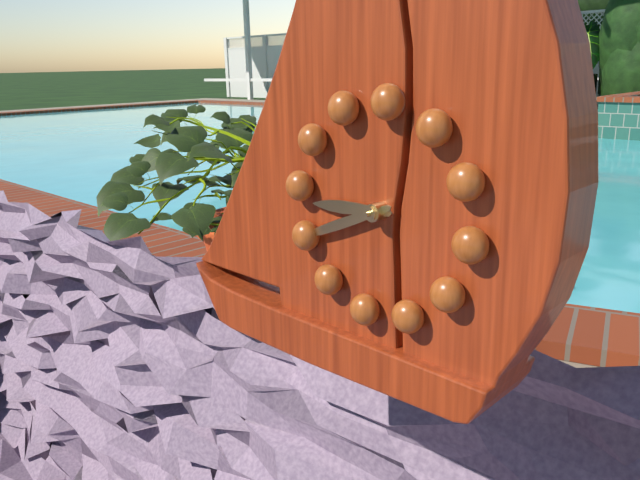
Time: **8:40**
